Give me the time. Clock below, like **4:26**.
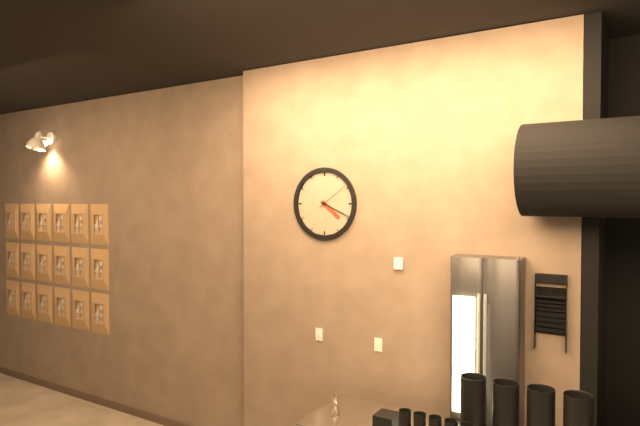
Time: **4:19**
